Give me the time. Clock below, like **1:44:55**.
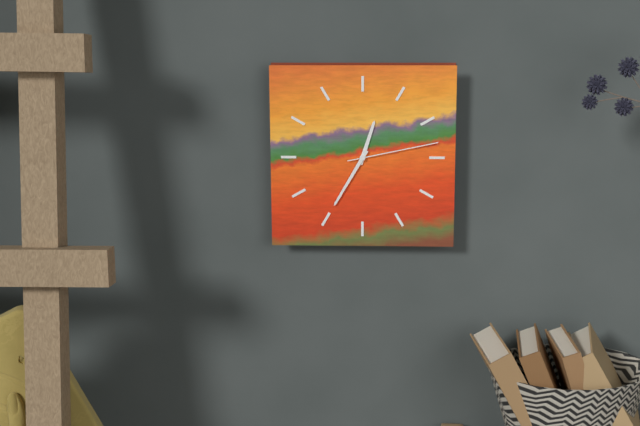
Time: **12:35:13**
